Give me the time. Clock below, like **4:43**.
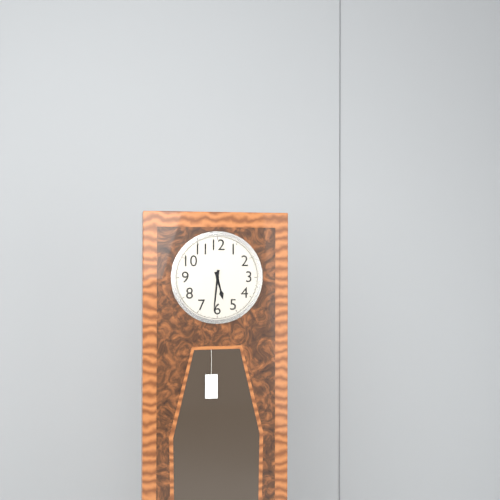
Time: **5:31**
